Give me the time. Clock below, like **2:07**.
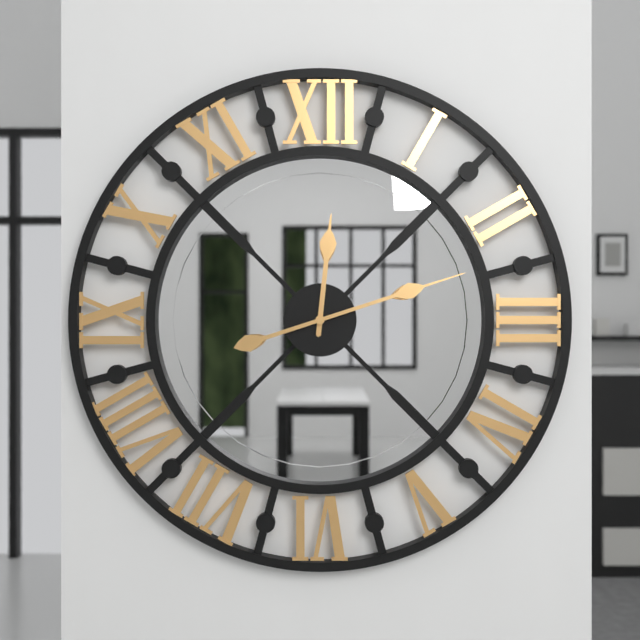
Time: **12:12**
